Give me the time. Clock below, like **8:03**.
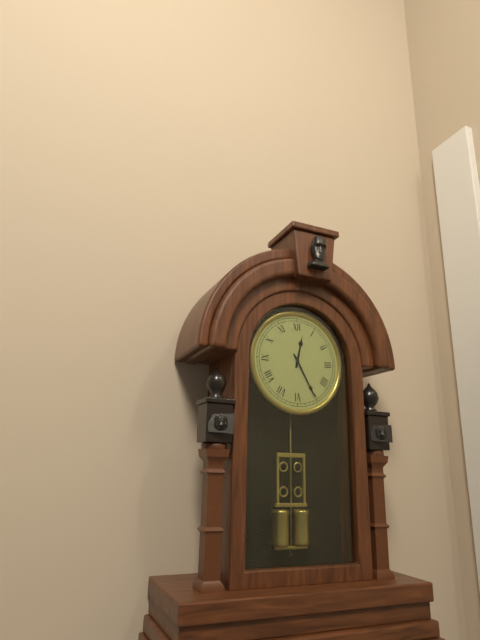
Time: **12:25**
